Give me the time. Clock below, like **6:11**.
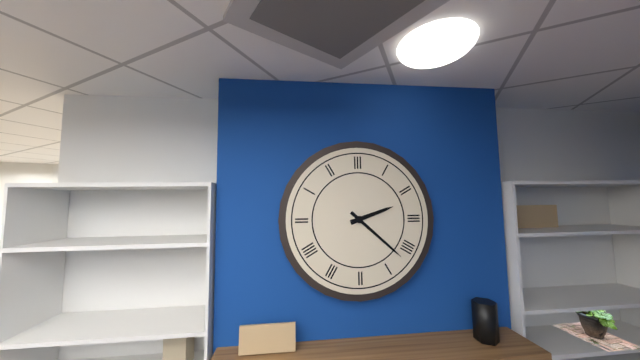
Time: **2:22**
